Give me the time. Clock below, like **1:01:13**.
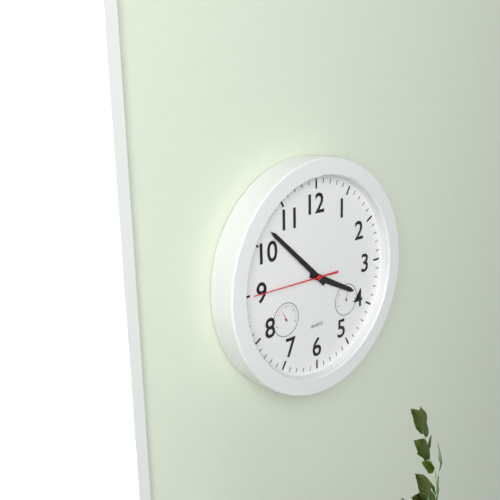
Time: **3:52:45**
